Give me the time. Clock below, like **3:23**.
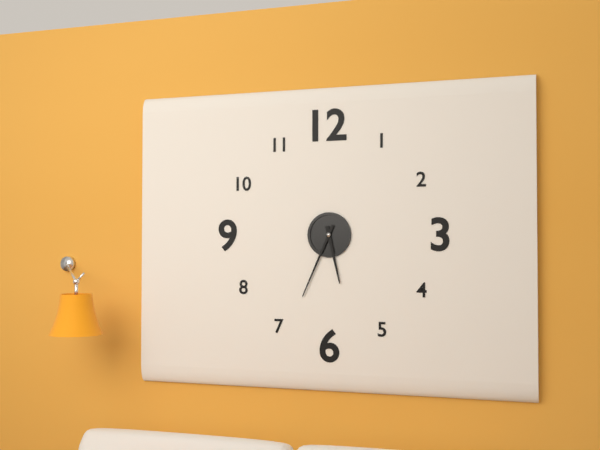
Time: **5:34**
